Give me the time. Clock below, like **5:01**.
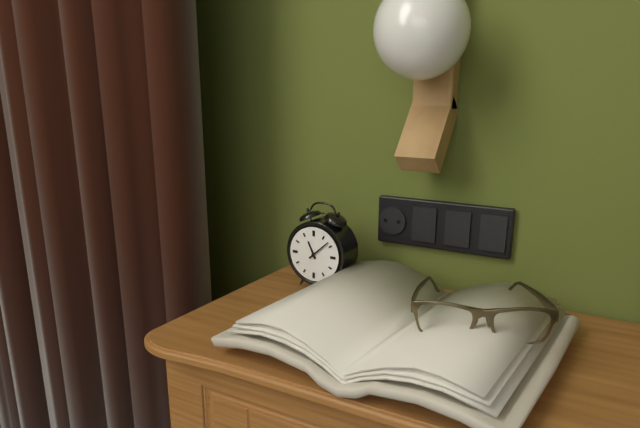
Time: **11:08**
